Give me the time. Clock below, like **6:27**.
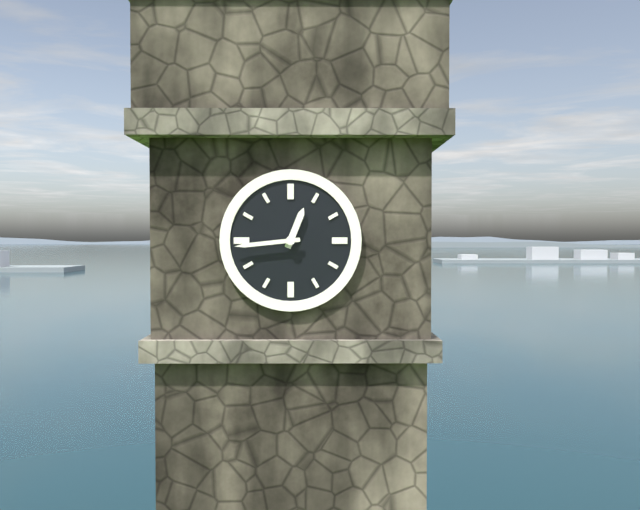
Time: **12:44**
